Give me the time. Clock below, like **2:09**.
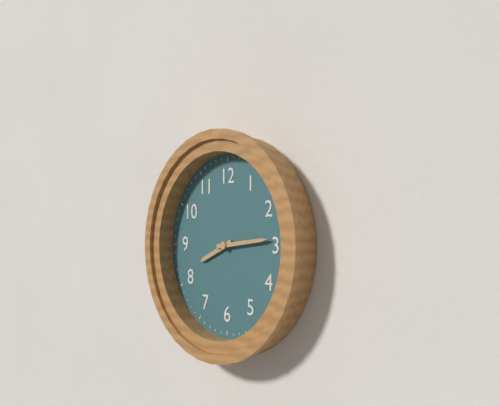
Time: **8:14**
